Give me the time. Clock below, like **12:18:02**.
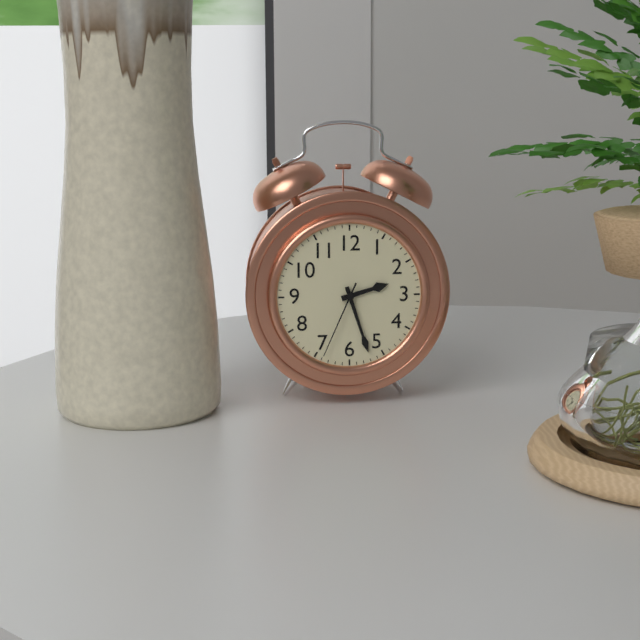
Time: **2:27:34**
